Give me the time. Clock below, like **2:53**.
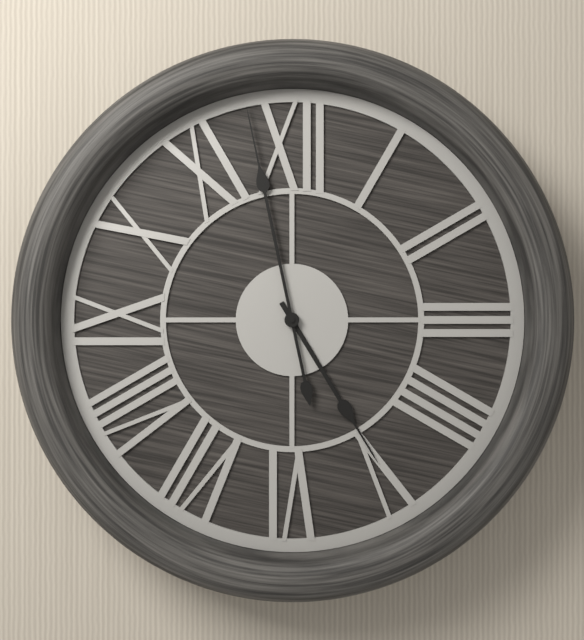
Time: **4:58**
